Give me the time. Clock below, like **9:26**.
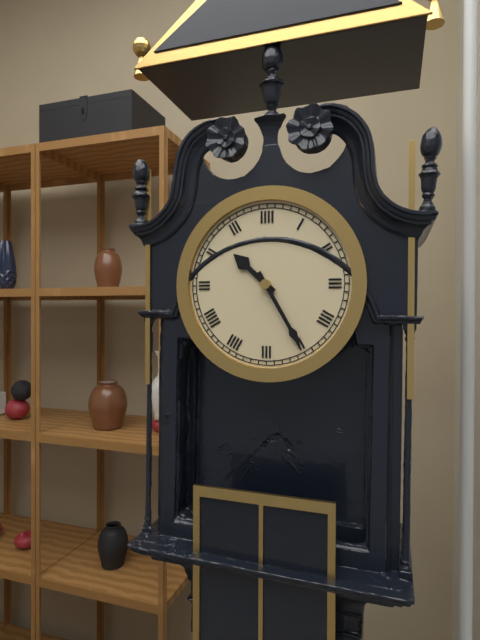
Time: **10:25**
